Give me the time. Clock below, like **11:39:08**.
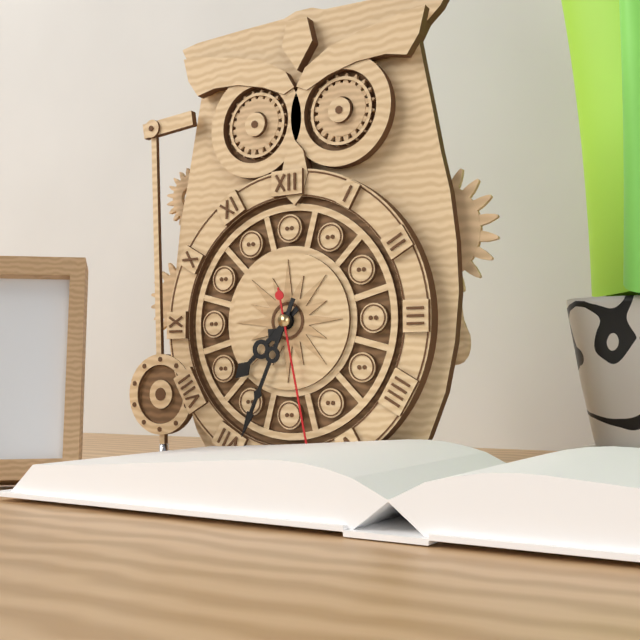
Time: **7:34:28**
